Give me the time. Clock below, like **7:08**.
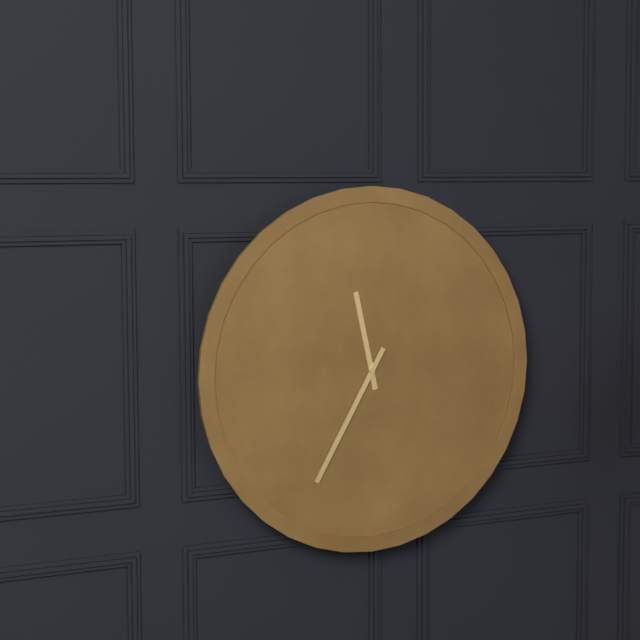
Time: **11:35**
